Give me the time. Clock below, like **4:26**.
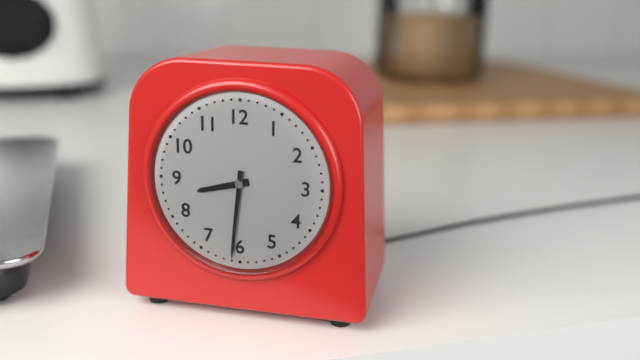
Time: **8:31**
